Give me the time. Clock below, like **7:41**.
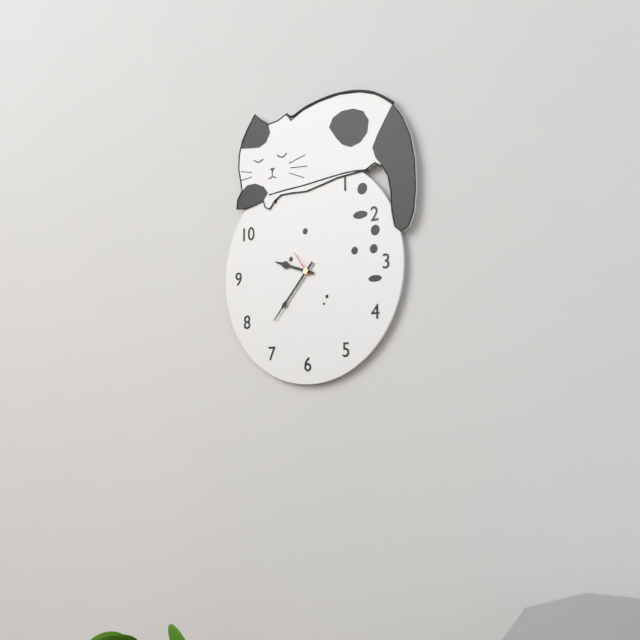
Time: **9:37**
